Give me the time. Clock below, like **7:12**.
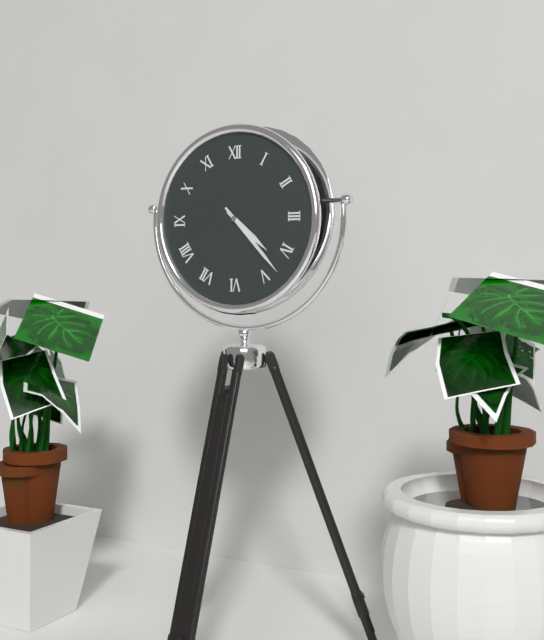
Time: **4:23**
